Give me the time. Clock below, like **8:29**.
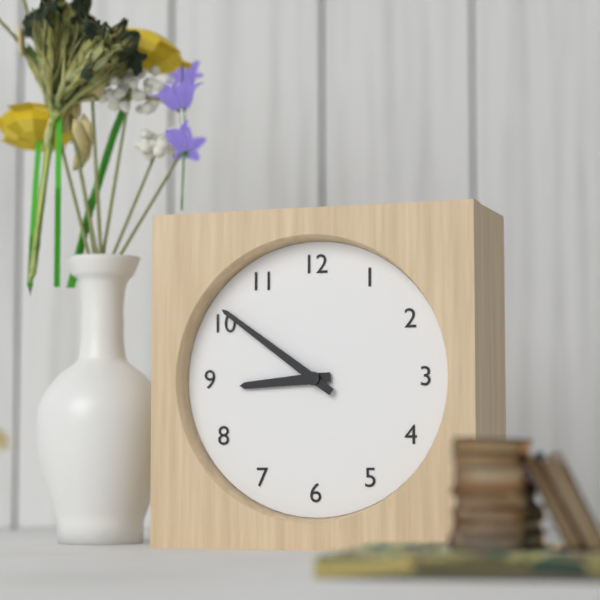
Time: **8:51**
